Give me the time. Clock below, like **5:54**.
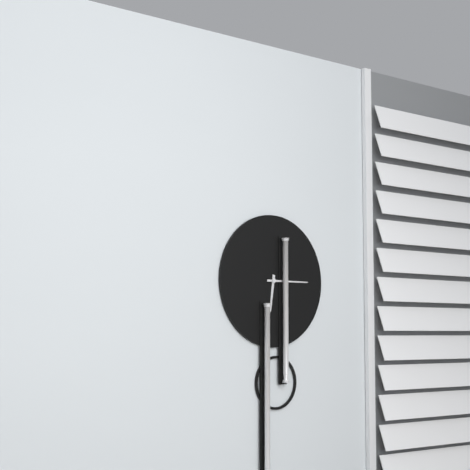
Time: **6:15**
